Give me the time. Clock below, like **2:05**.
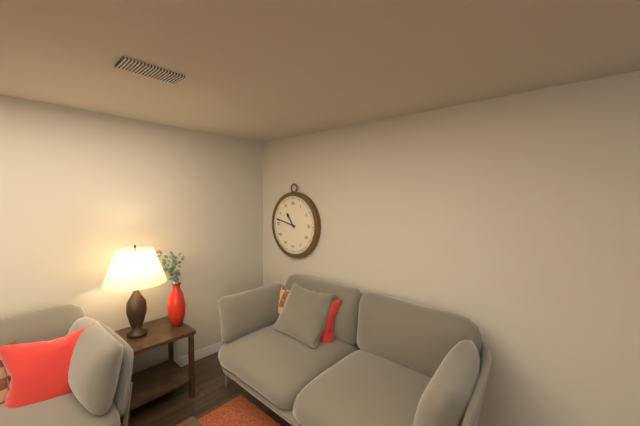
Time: **10:47**
